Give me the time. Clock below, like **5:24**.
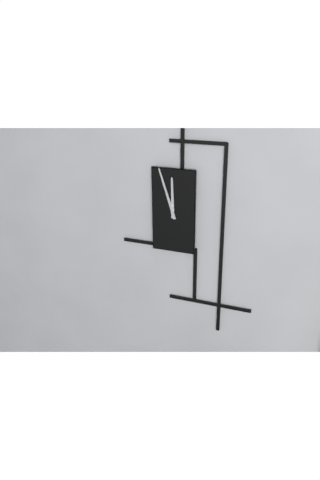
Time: **11:57**
